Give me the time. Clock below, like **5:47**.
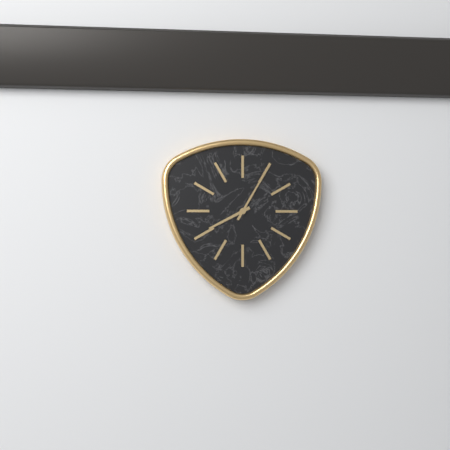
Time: **8:05**
